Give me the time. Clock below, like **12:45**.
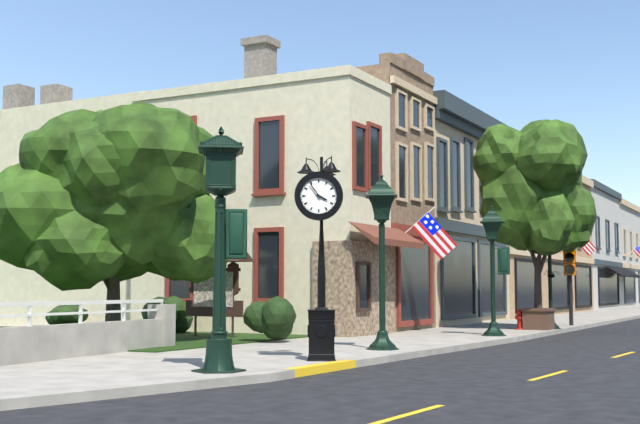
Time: **3:54**
